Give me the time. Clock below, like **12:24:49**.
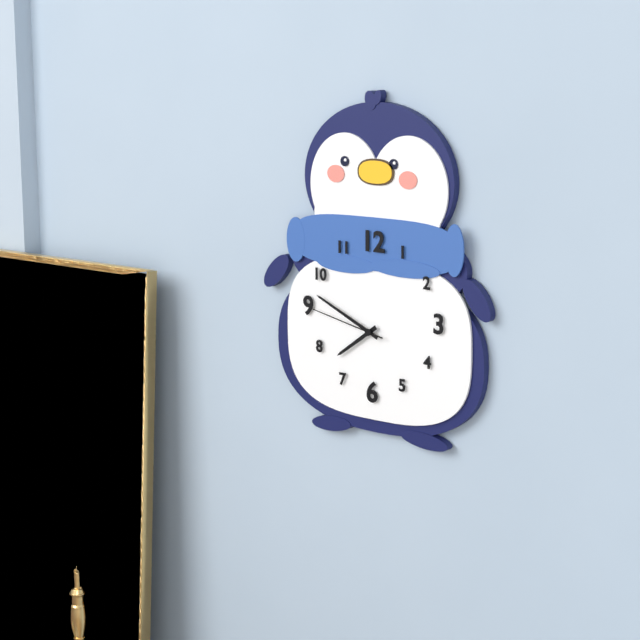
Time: **7:49:47**
